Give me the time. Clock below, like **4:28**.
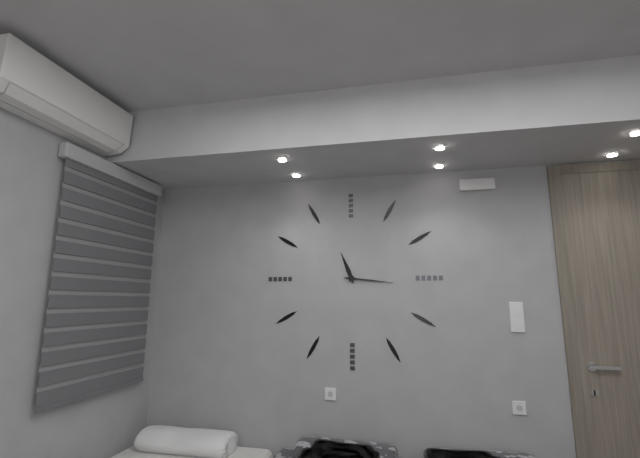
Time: **11:16**
